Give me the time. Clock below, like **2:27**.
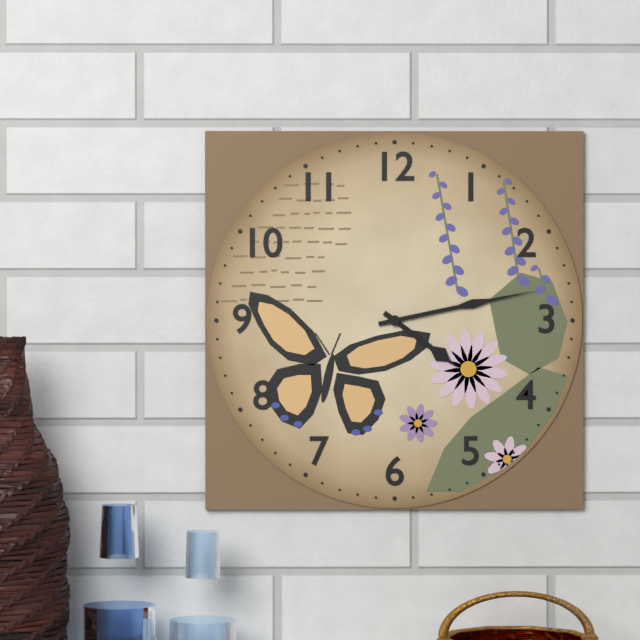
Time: **4:13**
